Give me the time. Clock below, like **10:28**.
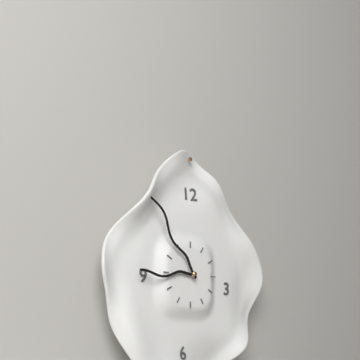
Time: **8:54**
